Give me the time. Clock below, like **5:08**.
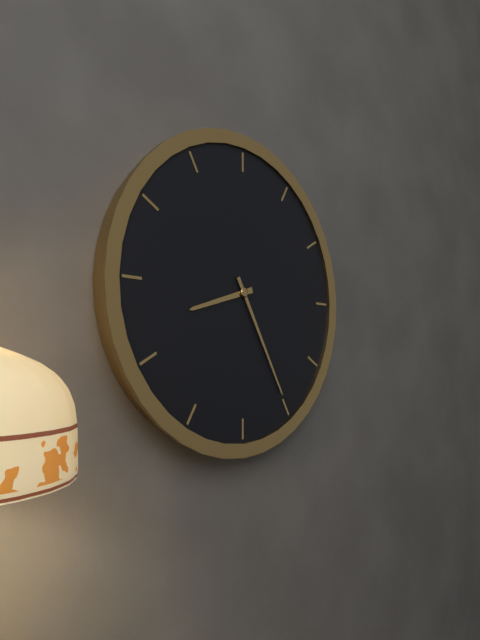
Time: **8:25**
